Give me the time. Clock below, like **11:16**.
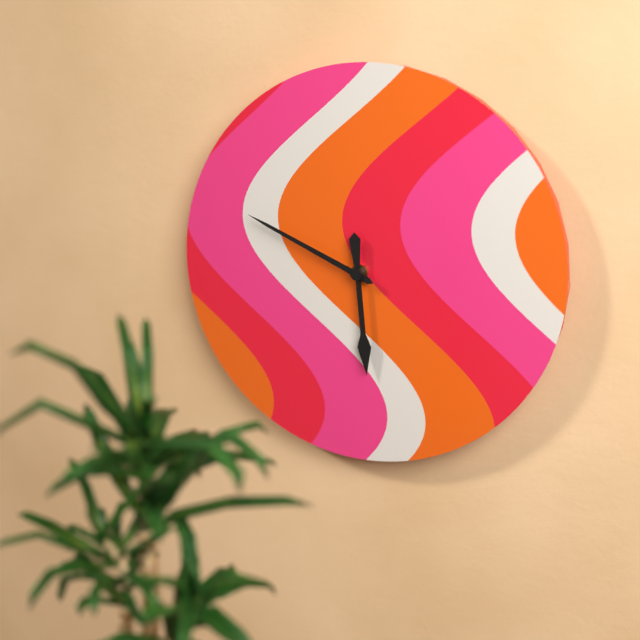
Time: **5:49**
